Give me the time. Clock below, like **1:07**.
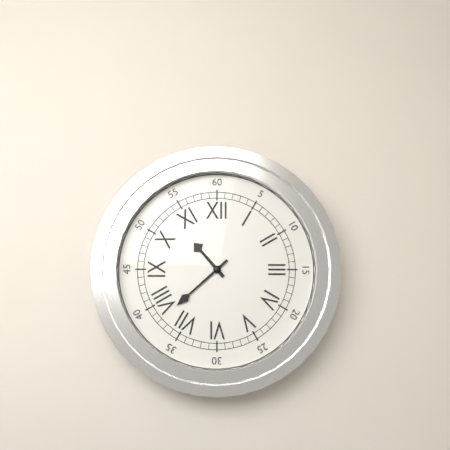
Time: **10:38**
